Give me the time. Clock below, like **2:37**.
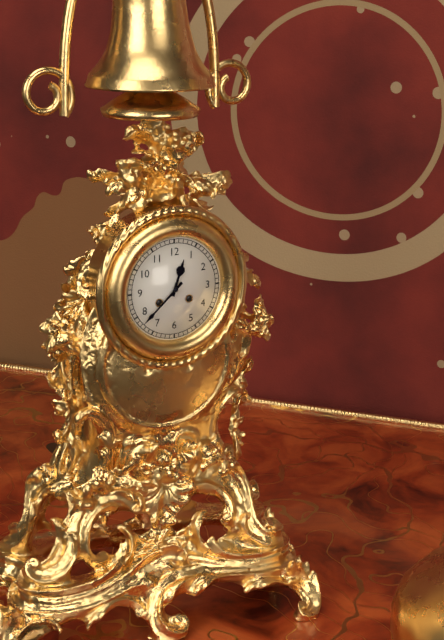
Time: **12:38**
